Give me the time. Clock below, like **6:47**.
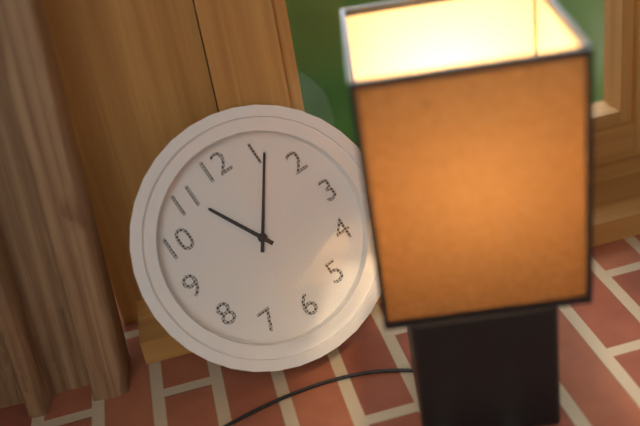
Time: **11:06**
